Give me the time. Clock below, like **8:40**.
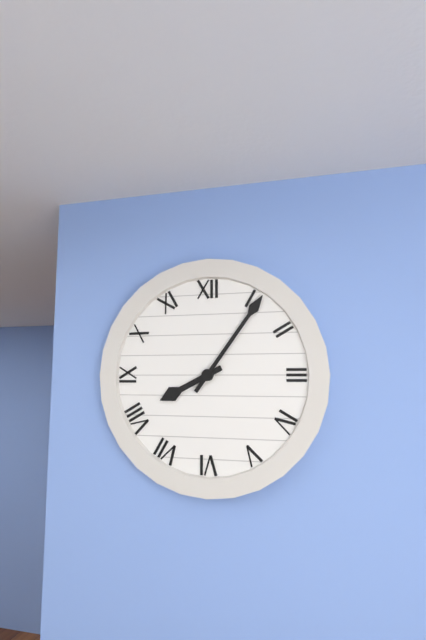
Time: **8:06**
